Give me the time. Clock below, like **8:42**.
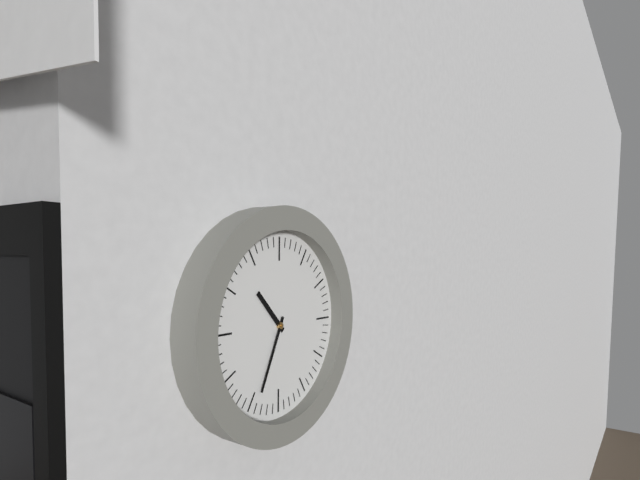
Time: **10:34**
